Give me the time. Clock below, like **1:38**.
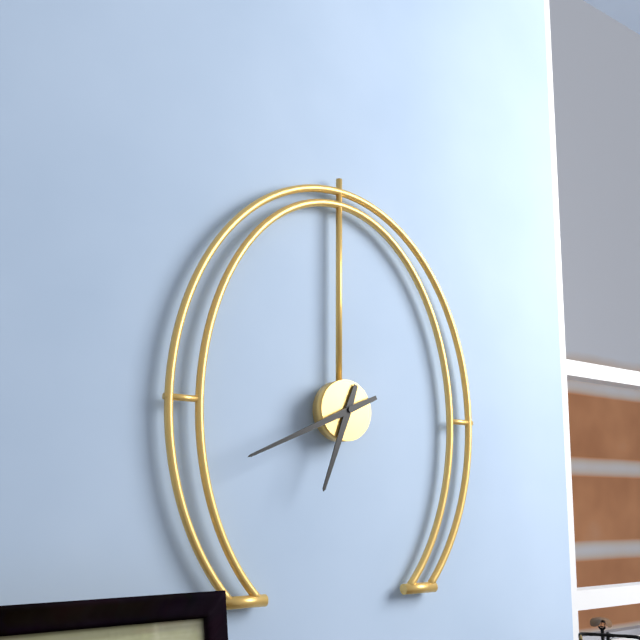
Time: **6:41**
